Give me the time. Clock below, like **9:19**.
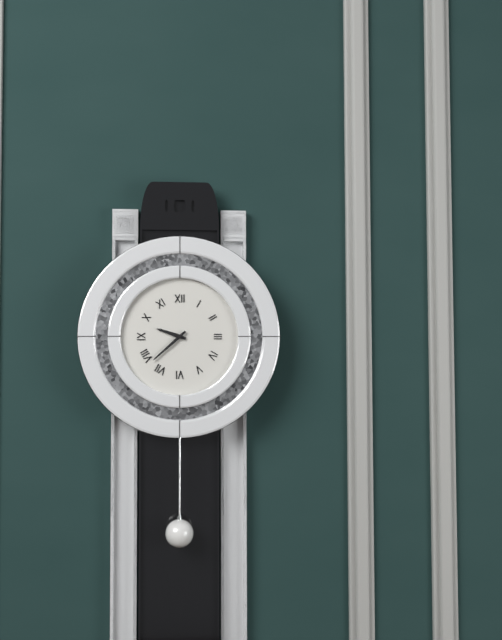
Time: **9:38**
